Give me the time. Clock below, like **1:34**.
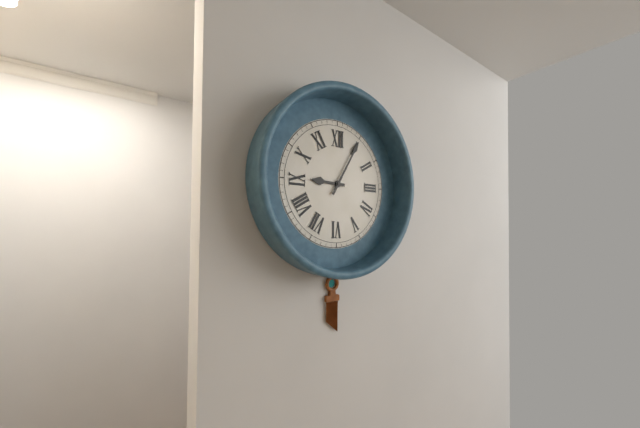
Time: **9:05**
